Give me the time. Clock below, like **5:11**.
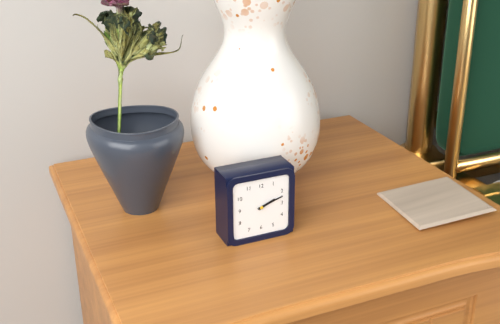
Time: **2:12**
